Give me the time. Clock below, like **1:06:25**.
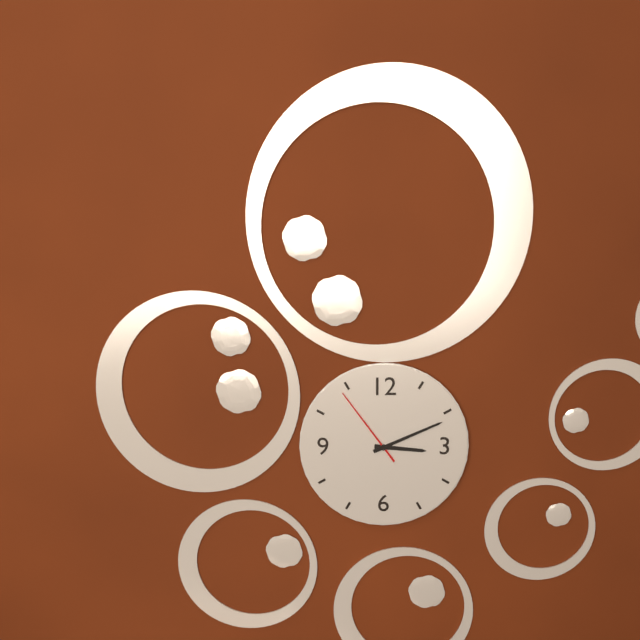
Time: **3:11:54**
